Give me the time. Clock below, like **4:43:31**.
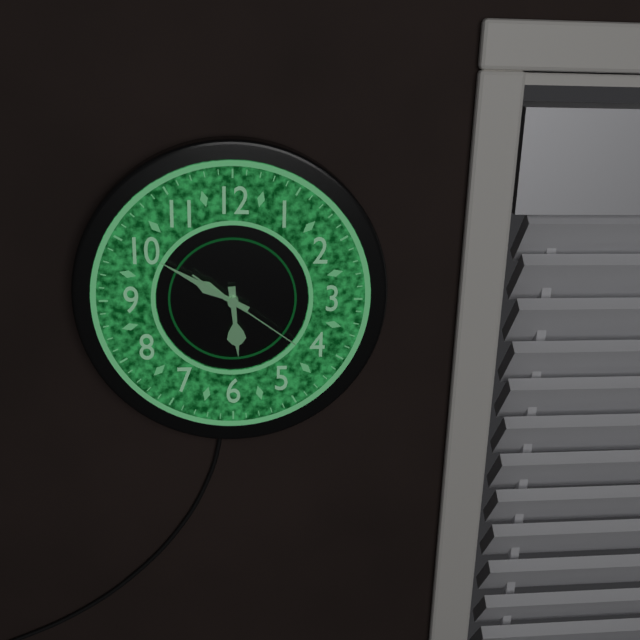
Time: **5:50:21**
